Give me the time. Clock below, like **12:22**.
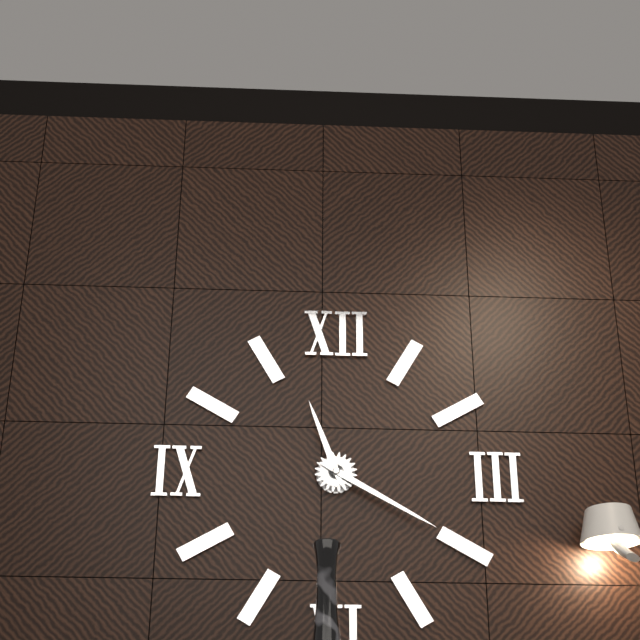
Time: **11:20**
